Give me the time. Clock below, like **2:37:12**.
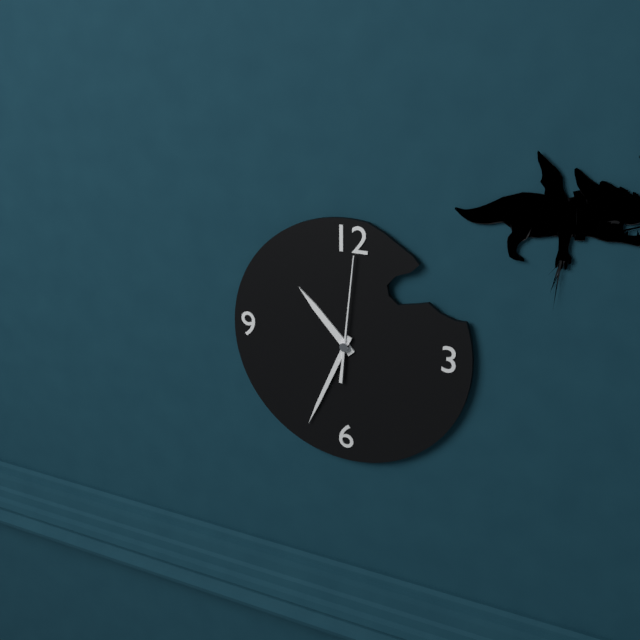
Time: **10:34:01**
